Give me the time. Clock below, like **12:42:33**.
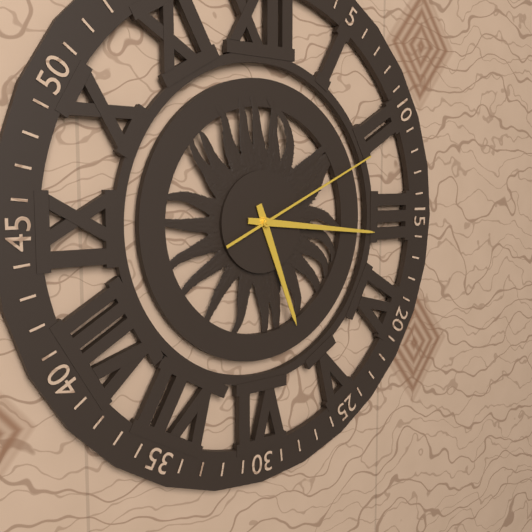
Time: **5:16:11**
